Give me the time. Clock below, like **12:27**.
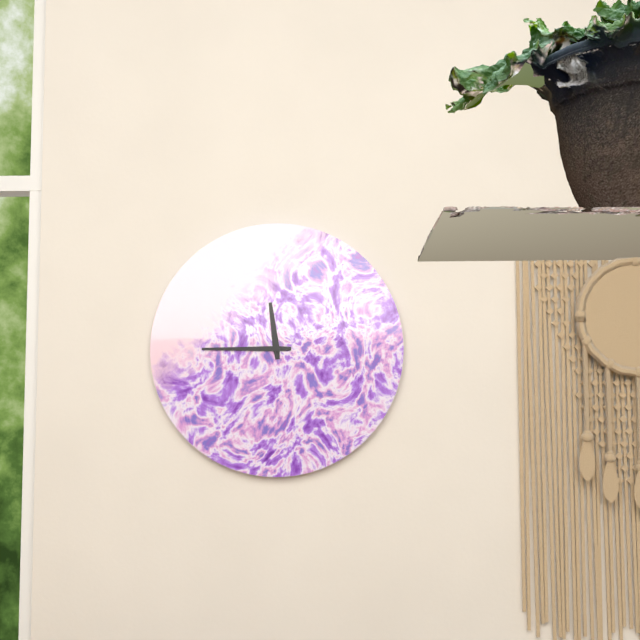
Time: **11:45**
